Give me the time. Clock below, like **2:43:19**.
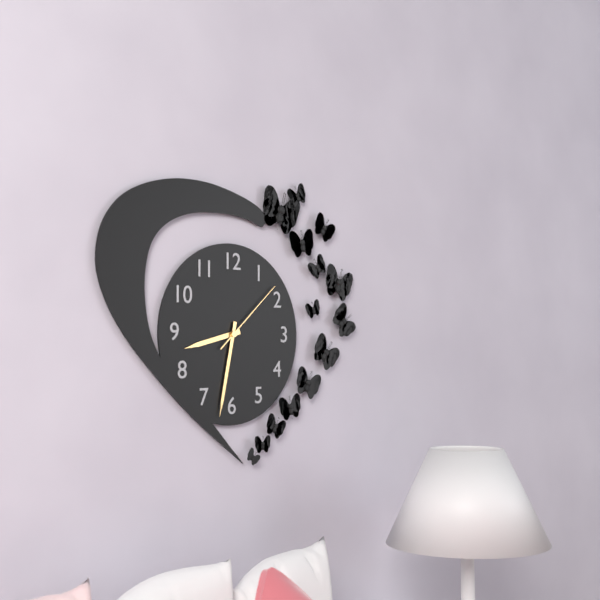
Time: **8:32:08**
